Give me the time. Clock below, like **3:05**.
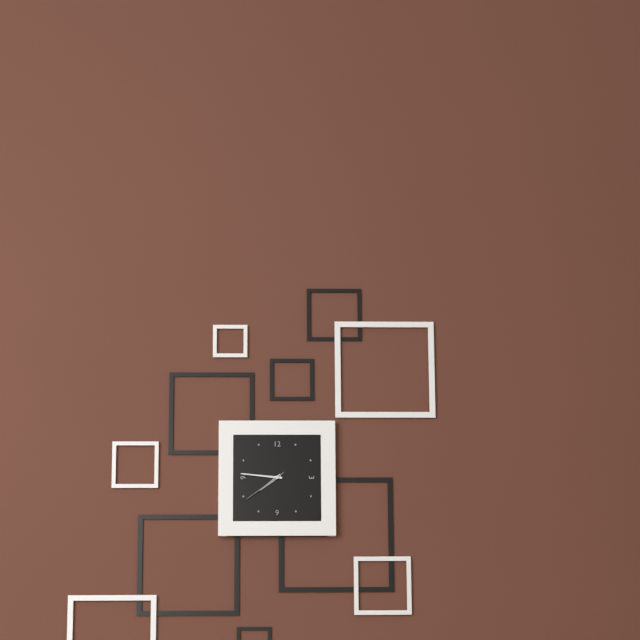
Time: **7:46**
